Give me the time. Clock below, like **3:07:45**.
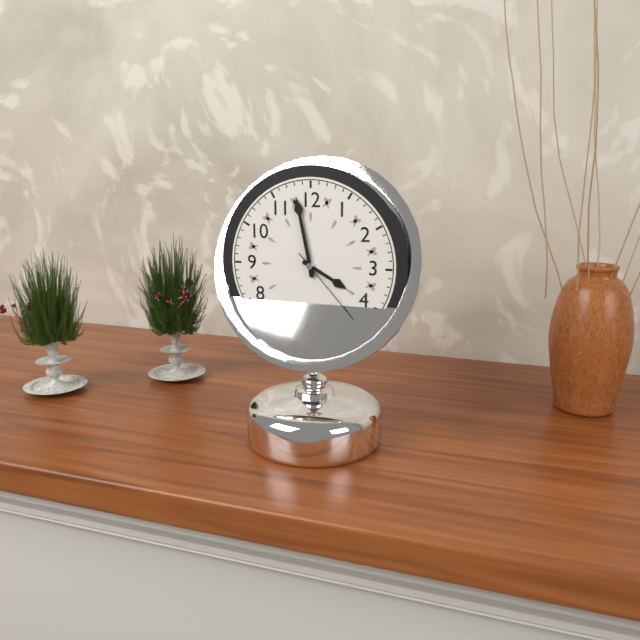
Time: **3:58:23**
